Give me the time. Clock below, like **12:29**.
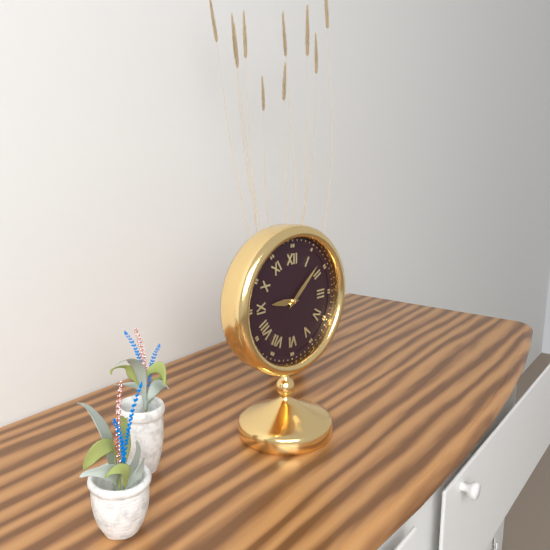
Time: **9:08**
